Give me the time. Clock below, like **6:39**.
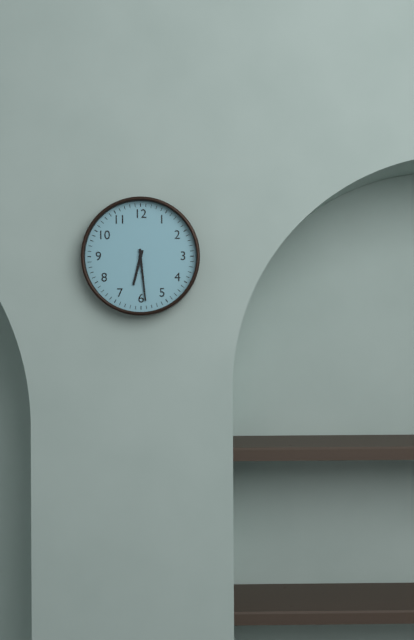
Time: **6:29**
